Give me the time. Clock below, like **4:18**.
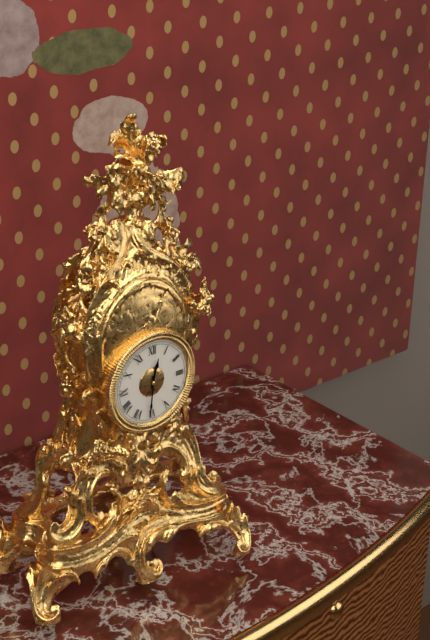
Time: **12:31**
